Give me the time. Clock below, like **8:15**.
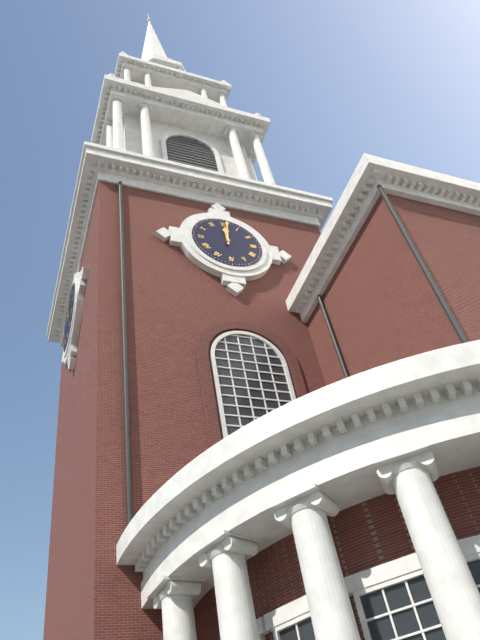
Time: **12:01**
